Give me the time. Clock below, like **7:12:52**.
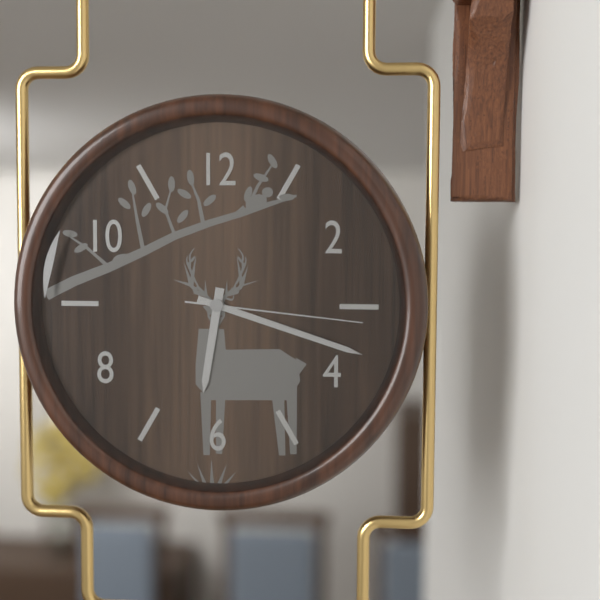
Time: **6:18:16**
